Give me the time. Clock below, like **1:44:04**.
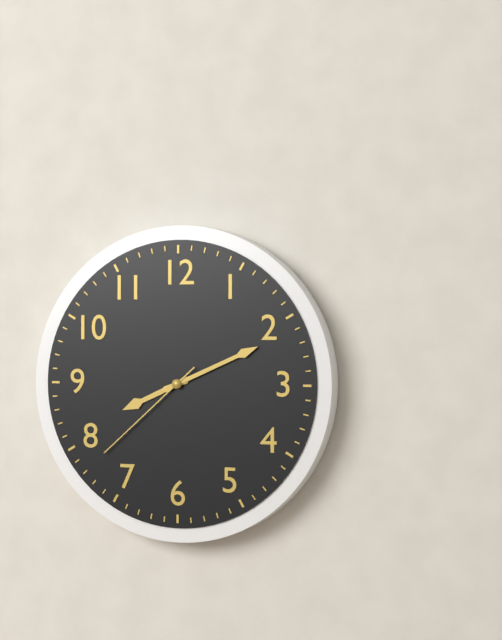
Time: **8:11:38**
